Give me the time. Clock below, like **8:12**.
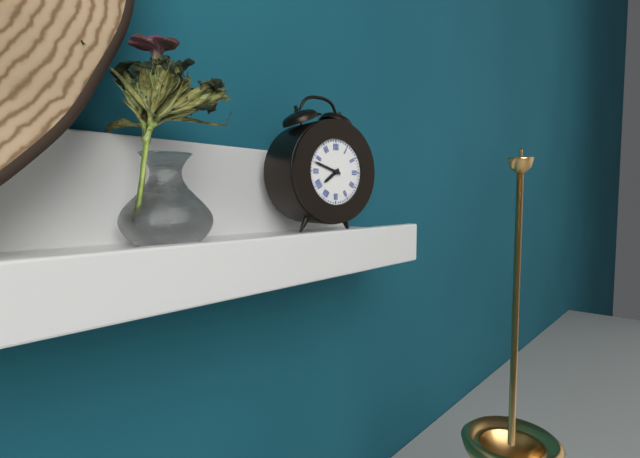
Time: **7:48**
